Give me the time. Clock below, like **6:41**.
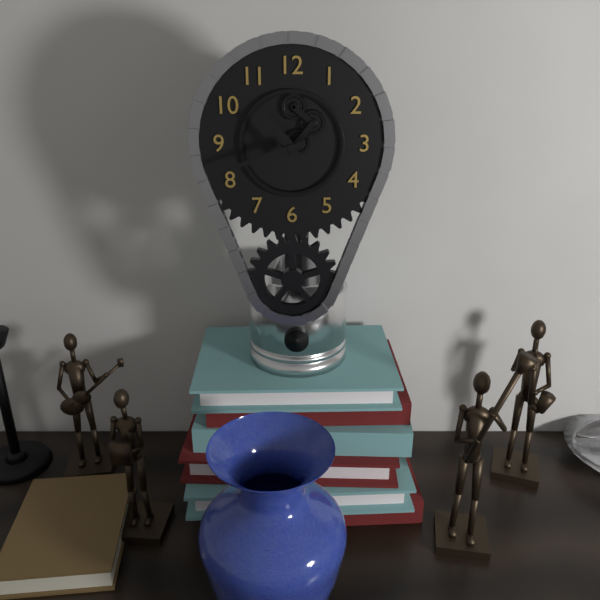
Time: **10:42**
